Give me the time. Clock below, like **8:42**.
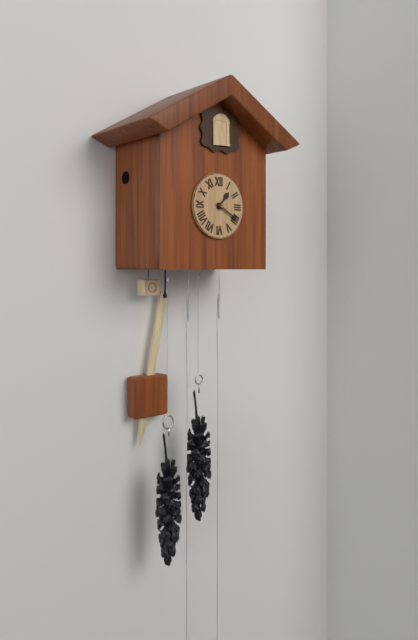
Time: **1:20**
